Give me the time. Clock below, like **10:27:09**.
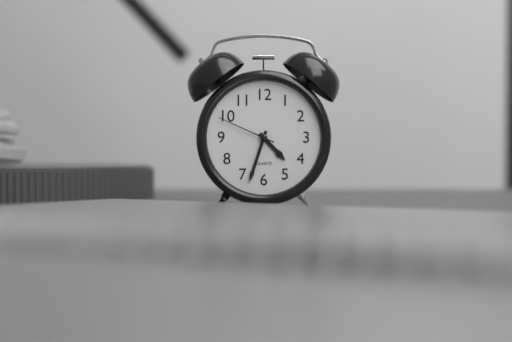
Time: **4:33:49**
